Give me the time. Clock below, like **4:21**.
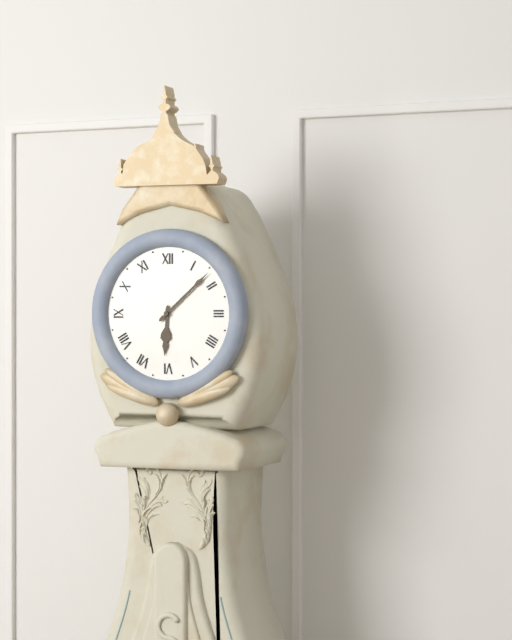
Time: **6:08**
